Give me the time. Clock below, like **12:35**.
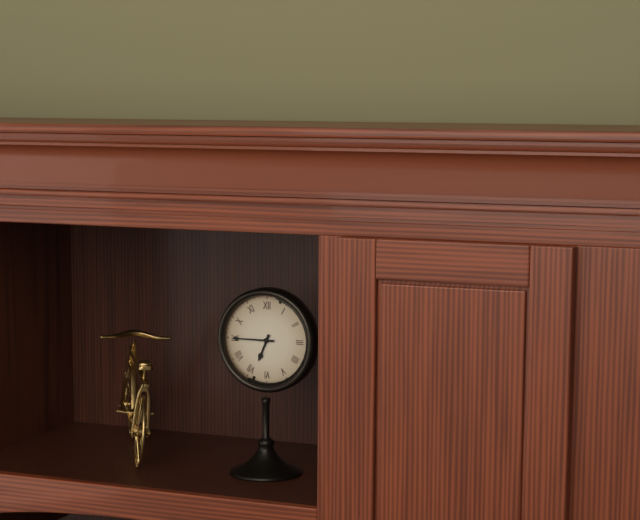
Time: **6:45**
